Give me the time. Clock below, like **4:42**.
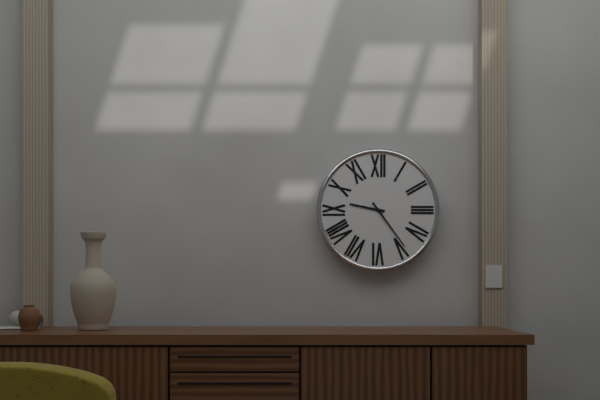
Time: **9:24**
